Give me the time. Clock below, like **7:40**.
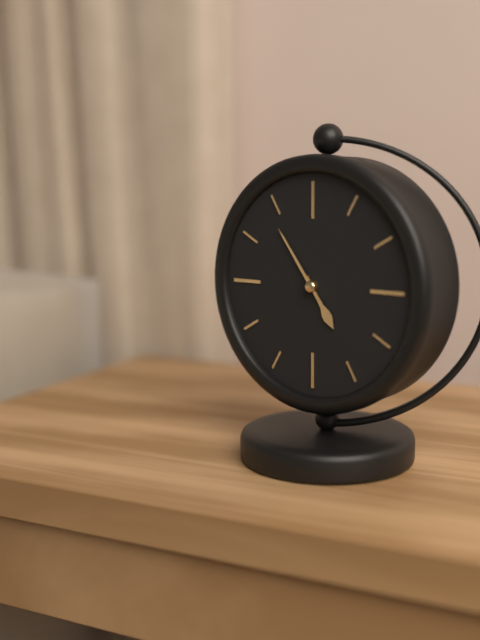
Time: **4:54**
